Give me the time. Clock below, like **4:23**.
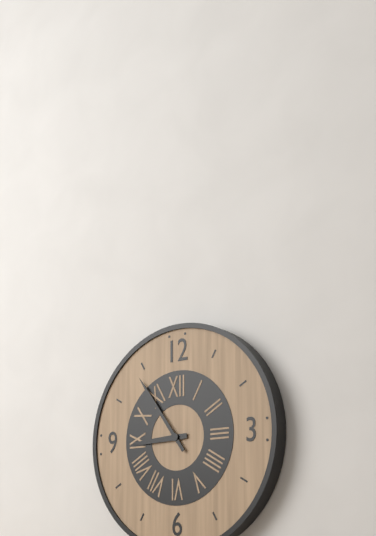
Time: **8:54**
